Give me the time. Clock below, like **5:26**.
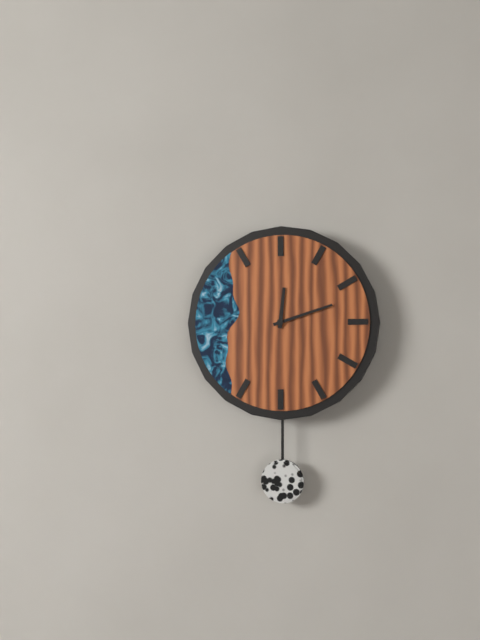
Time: **12:12**
